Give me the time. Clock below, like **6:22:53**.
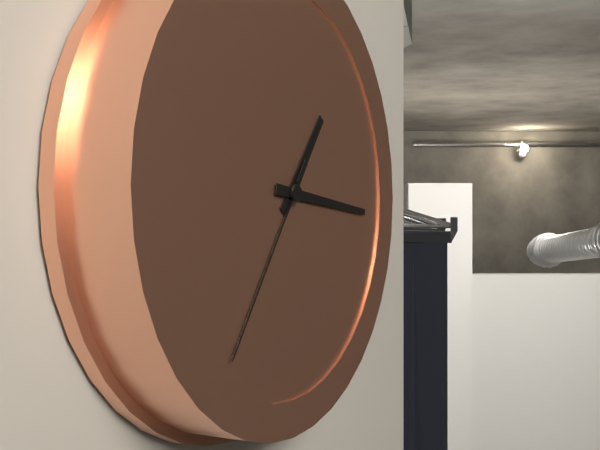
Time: **1:16:36**
